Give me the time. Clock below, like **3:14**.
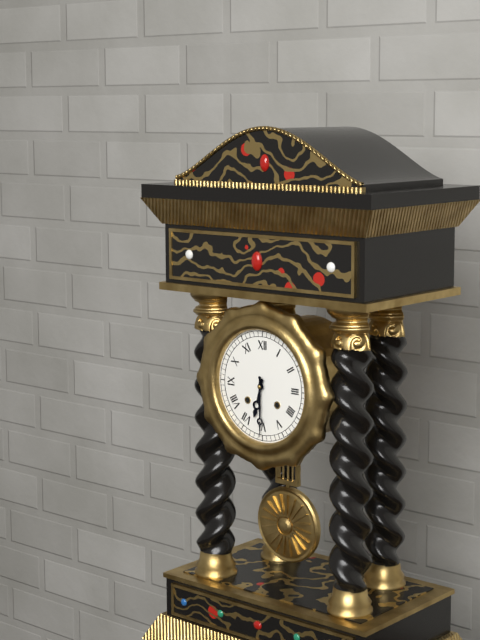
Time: **6:30**
